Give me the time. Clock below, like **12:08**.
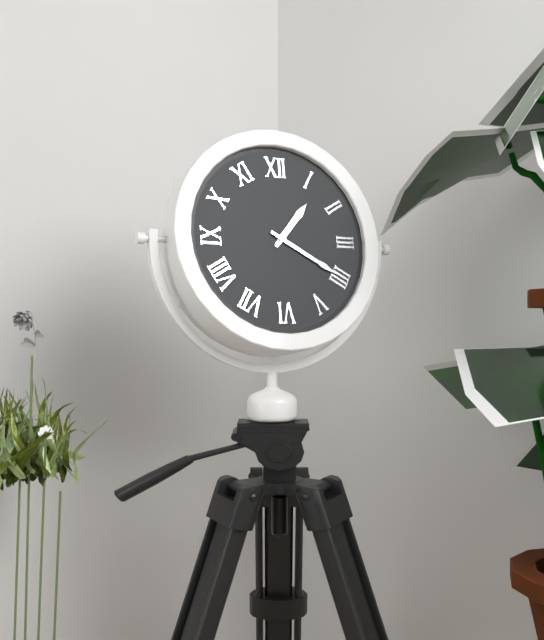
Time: **1:20**
